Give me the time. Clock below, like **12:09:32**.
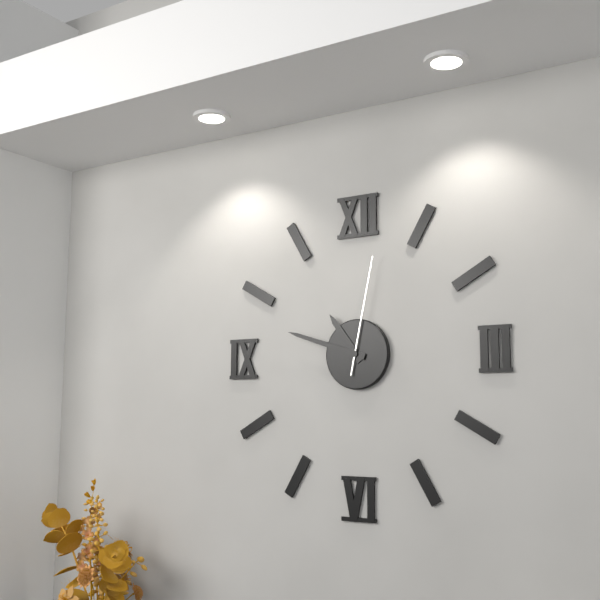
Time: **10:48:02**
